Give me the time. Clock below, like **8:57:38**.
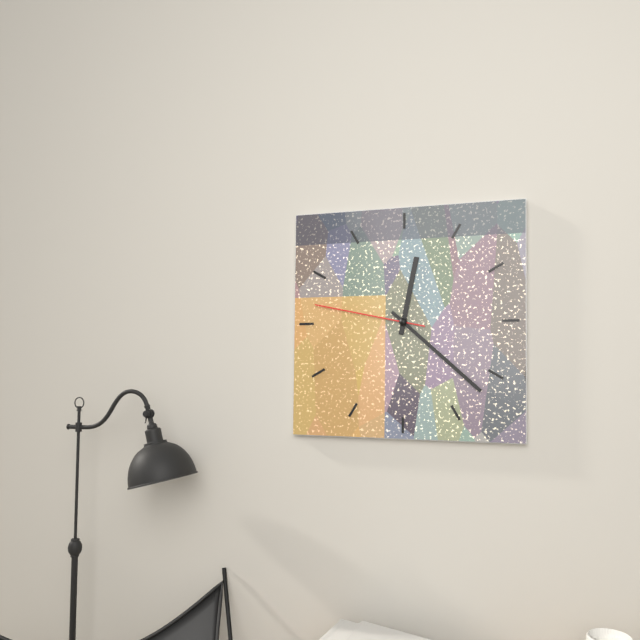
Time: **12:22:47**
